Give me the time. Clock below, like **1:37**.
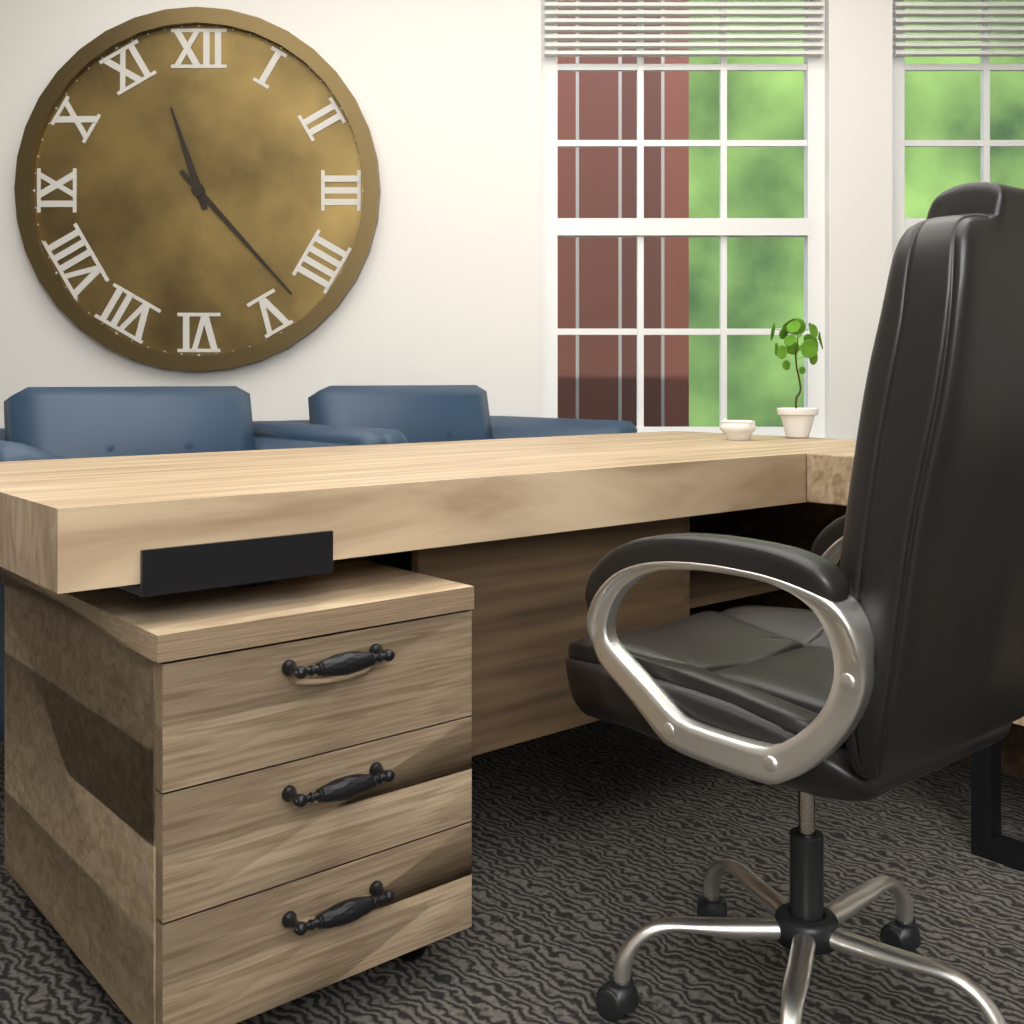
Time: **11:23**
